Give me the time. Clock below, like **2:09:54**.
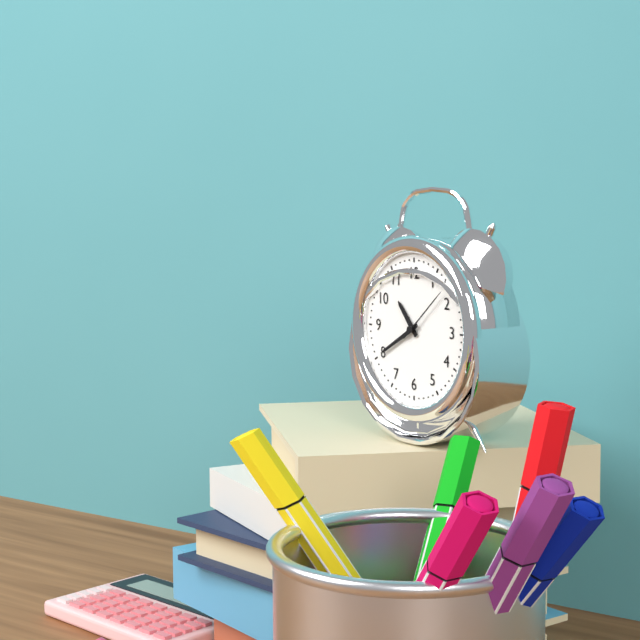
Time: **10:40:08**
